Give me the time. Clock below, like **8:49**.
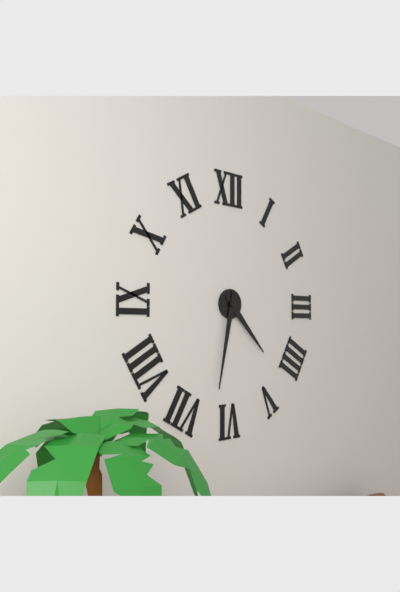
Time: **4:32**
